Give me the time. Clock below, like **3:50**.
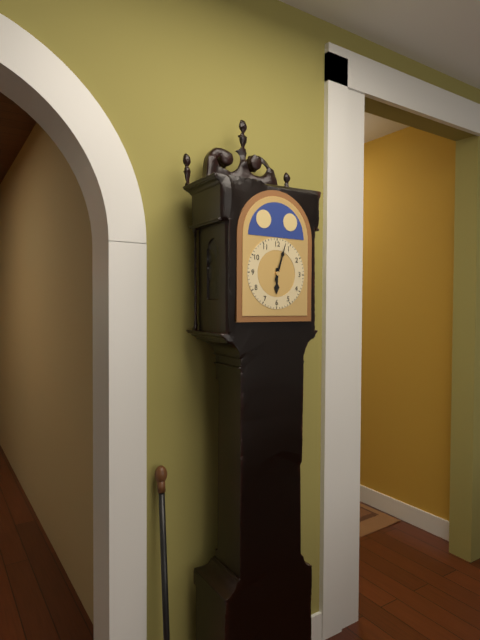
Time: **6:03**
